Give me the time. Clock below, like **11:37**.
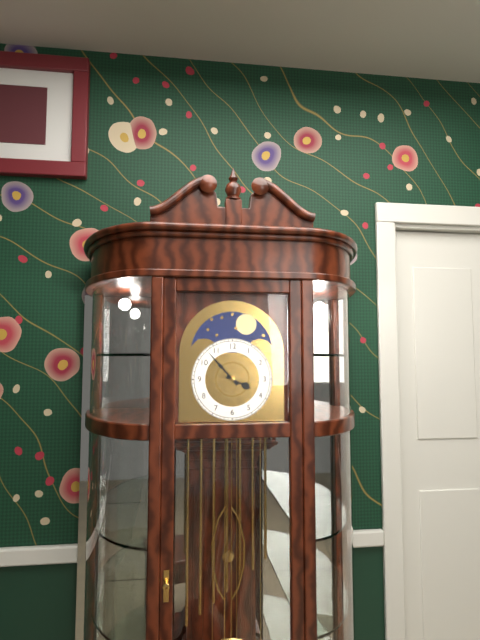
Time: **3:53**
